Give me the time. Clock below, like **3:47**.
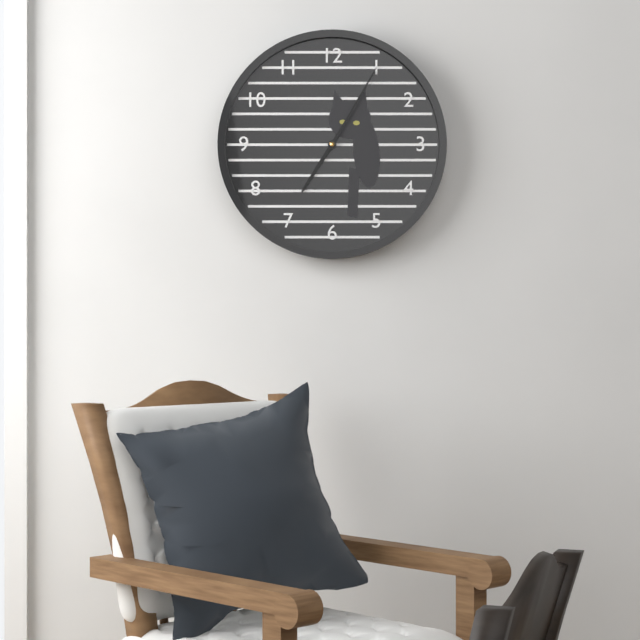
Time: **7:05**
